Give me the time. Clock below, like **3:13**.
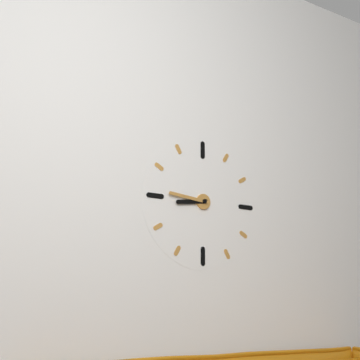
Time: **8:46**
